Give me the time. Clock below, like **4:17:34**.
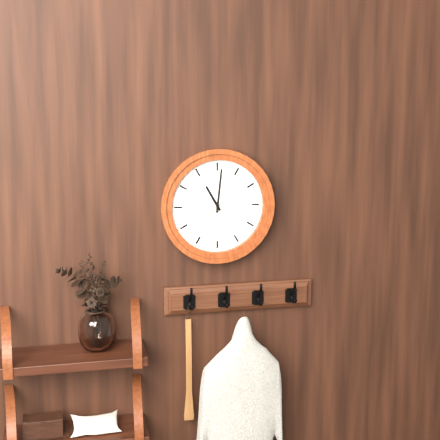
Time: **11:01:38**
